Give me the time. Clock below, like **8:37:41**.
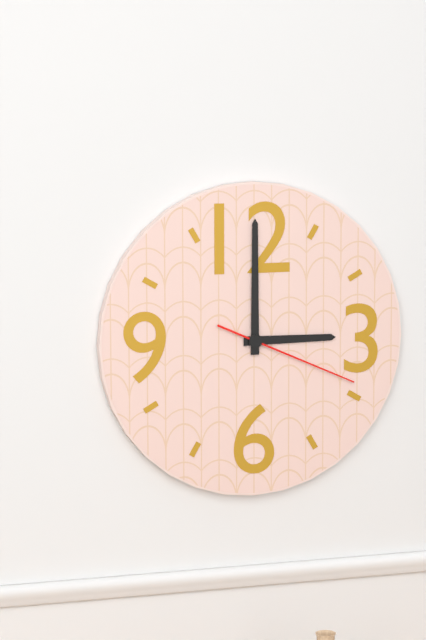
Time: **3:00:19**
